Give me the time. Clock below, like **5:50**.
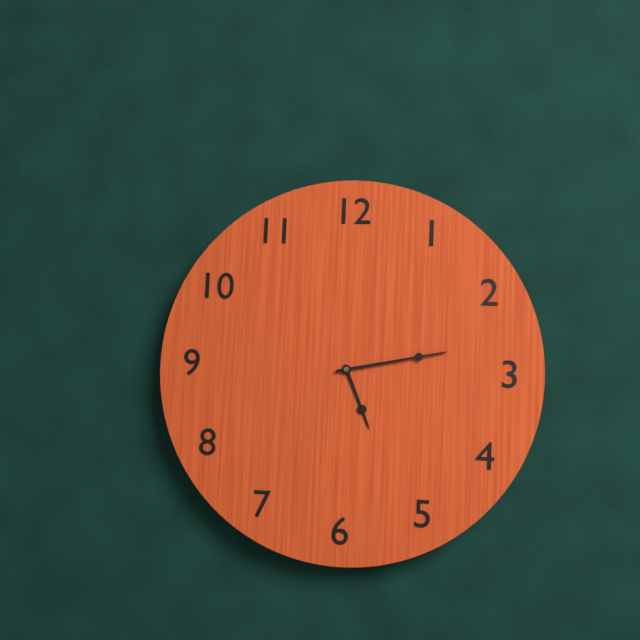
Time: **5:13**
